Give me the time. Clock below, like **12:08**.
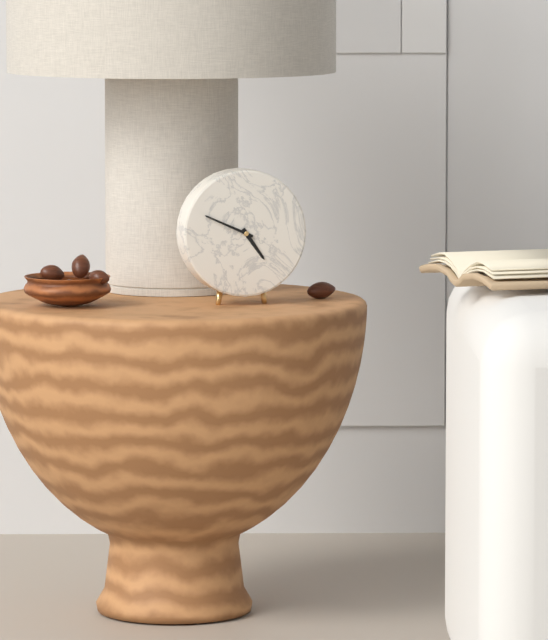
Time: **4:49**
